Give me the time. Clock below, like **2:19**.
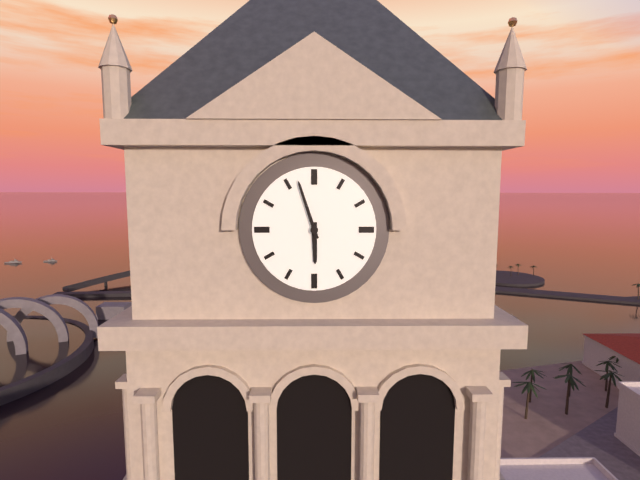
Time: **5:57**
